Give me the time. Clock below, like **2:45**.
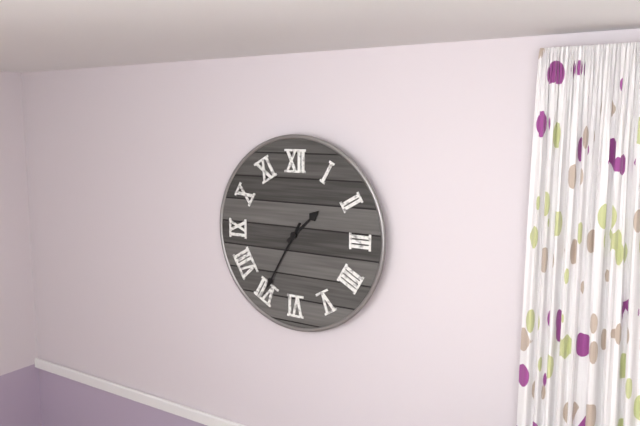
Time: **1:35**
